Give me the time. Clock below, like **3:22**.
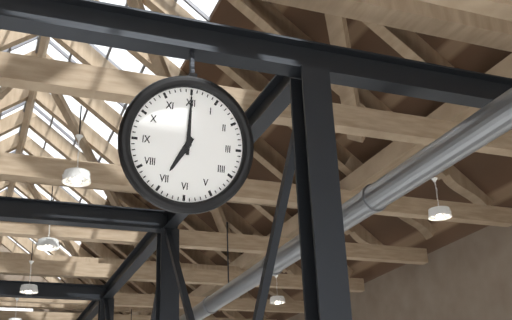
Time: **7:00**
